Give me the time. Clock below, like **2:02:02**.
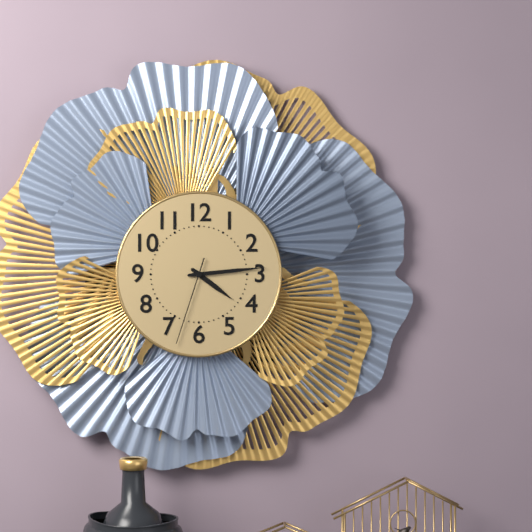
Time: **4:14:33**
